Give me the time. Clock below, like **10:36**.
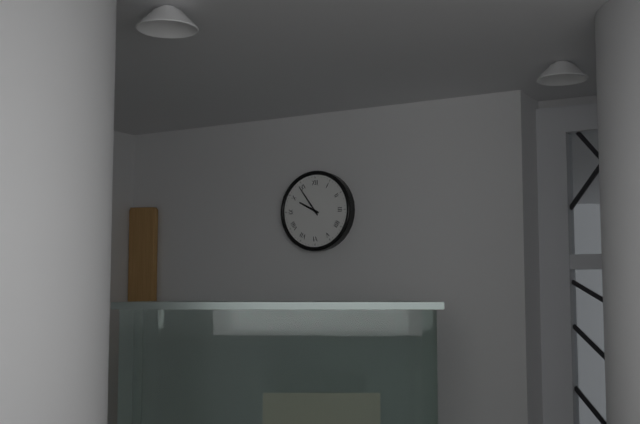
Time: **9:54**
